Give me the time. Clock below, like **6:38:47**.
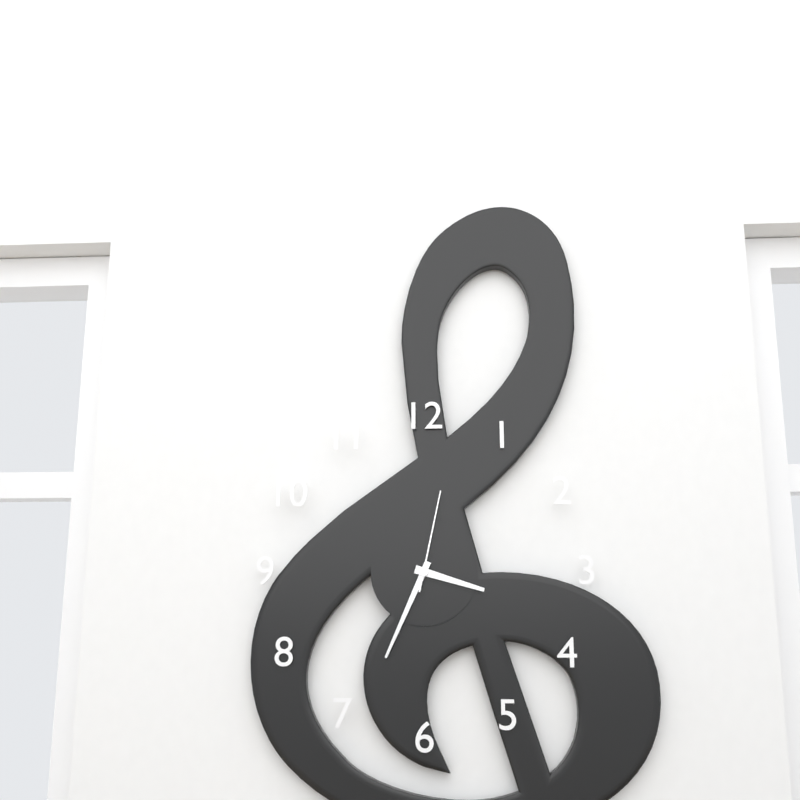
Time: **3:34:02**
